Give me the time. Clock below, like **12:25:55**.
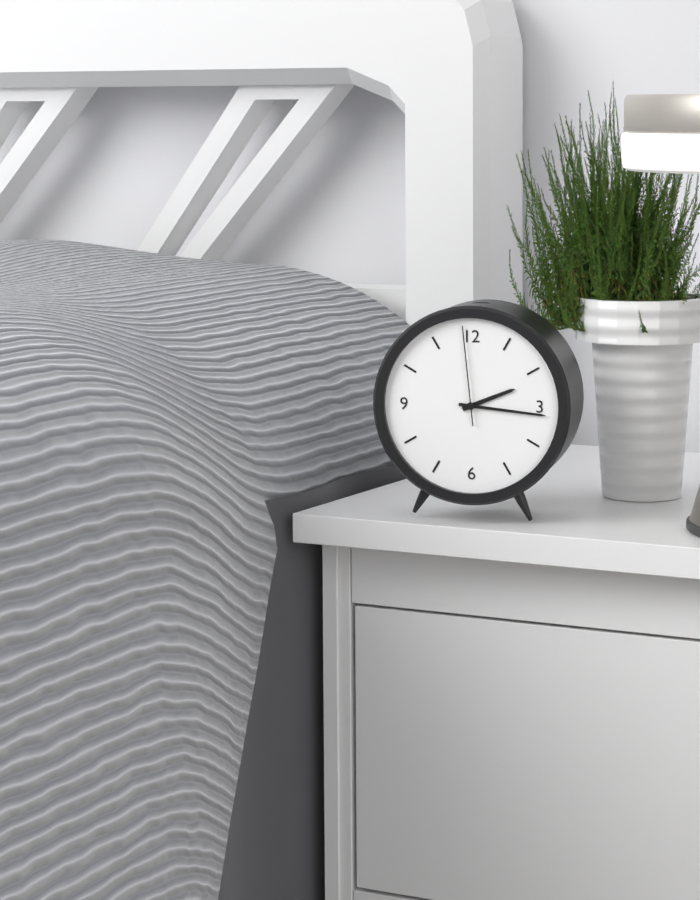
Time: **2:16:59**
